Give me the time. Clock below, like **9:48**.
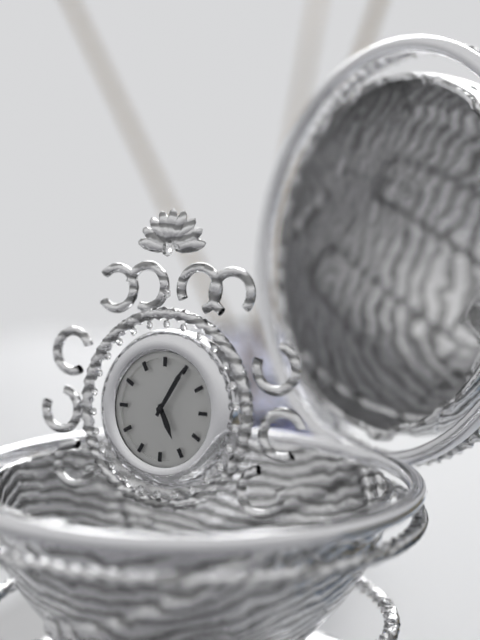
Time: **5:05**
